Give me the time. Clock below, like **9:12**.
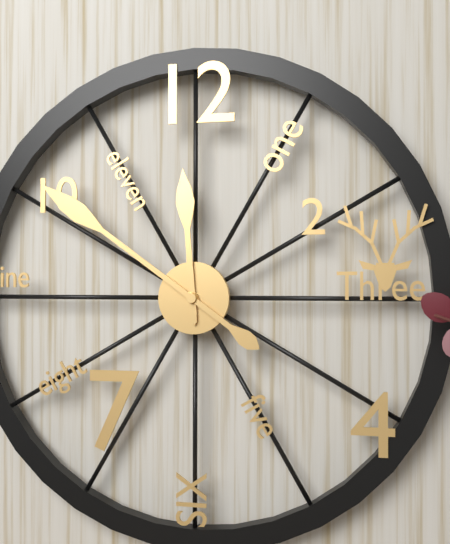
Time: **11:51**
